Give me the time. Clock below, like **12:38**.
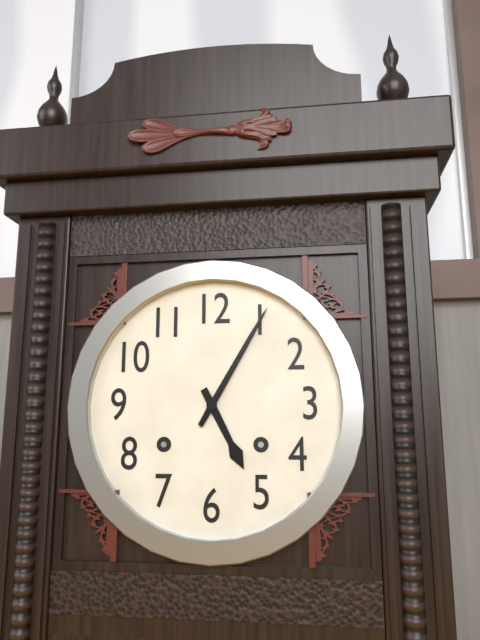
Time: **5:05**
